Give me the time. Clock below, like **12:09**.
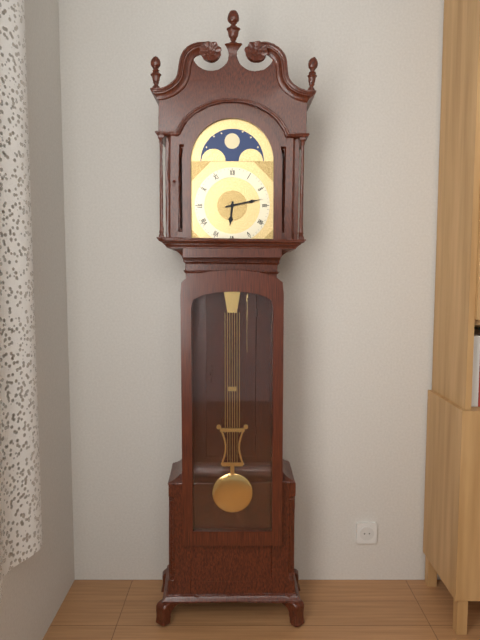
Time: **6:13**
